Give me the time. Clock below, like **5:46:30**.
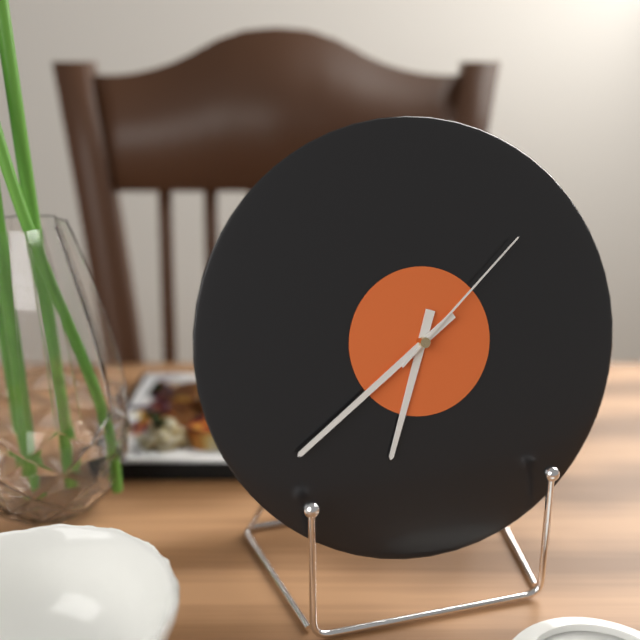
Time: **6:39:08**
